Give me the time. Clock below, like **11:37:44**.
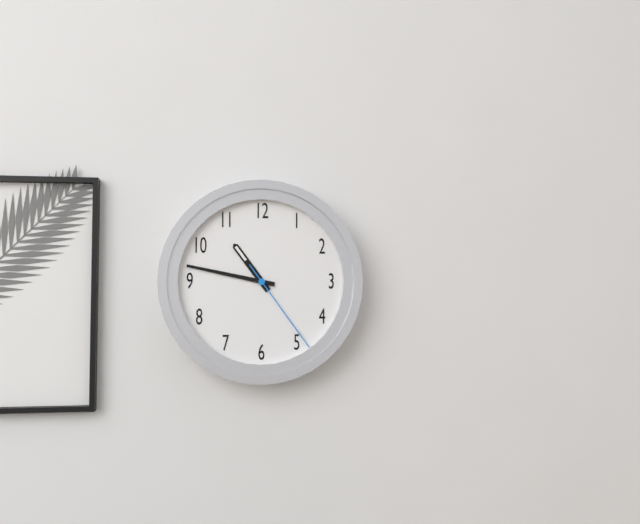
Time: **10:47:24**
